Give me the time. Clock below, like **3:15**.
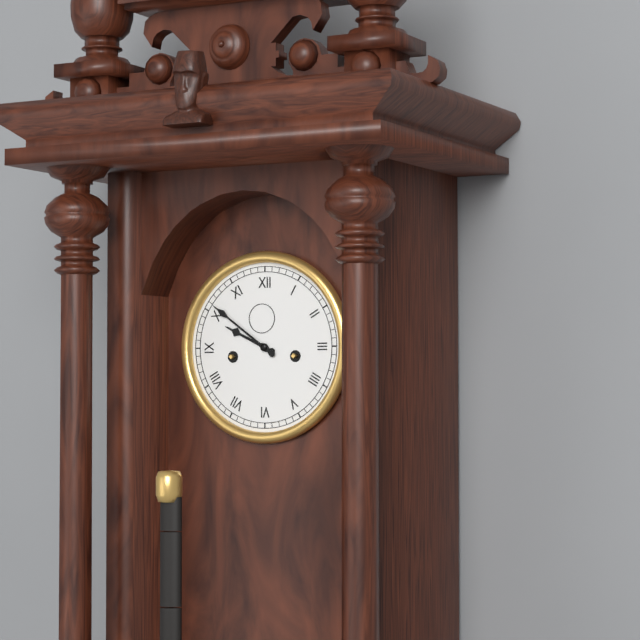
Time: **9:51**
